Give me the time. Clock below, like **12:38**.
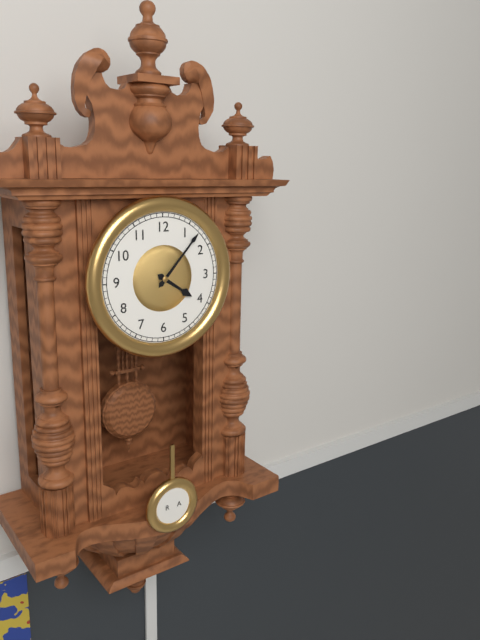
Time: **4:07**
